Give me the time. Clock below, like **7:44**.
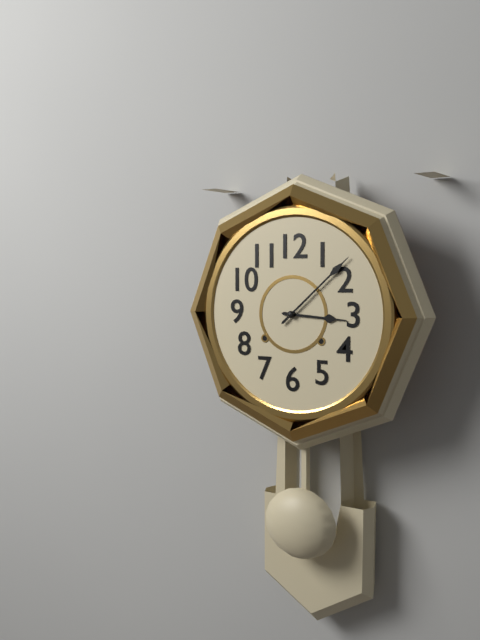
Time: **3:08**
